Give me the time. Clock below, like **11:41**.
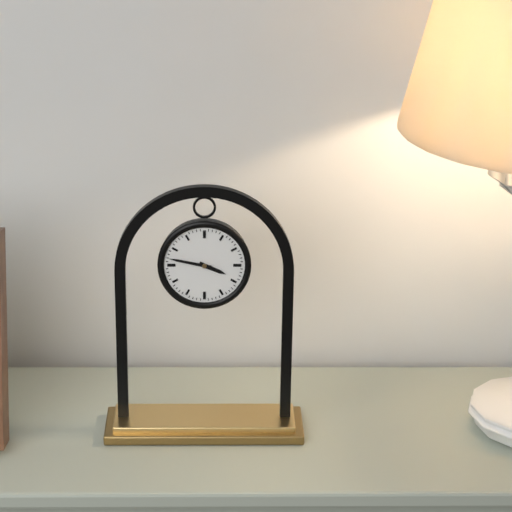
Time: **3:47**
